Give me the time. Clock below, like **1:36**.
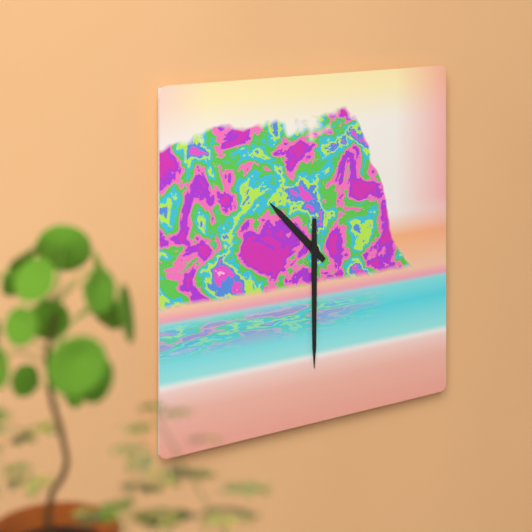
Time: **10:30**
